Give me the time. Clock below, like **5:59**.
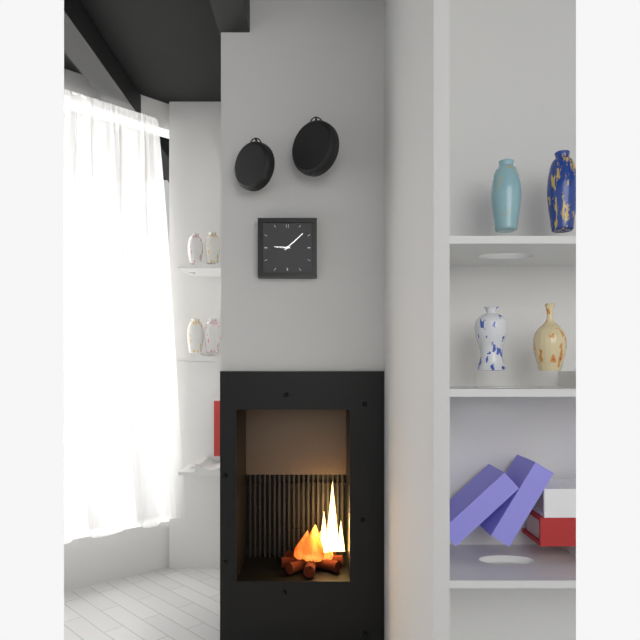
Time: **9:08**
